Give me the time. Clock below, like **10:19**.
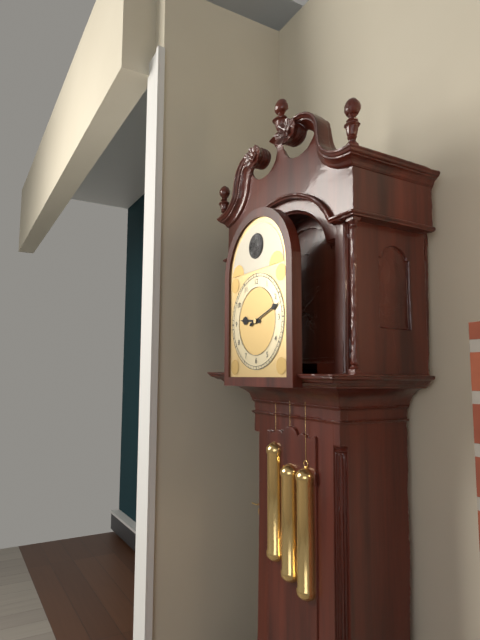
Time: **9:12**
